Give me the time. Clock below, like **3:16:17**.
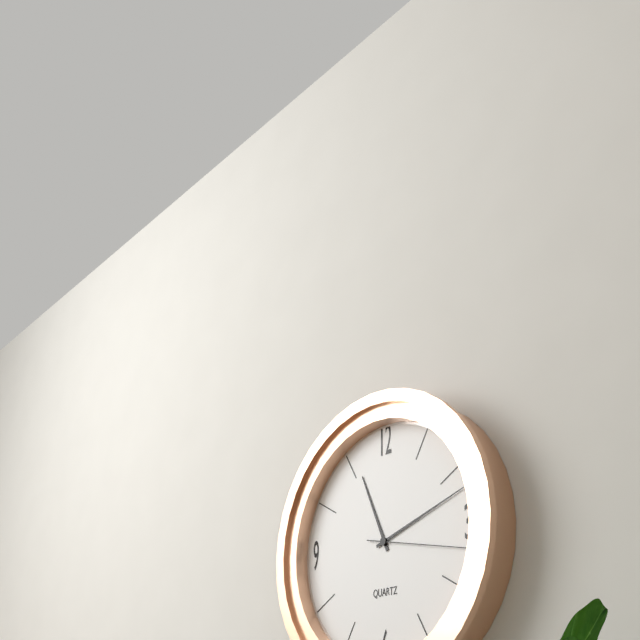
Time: **11:12:17**
